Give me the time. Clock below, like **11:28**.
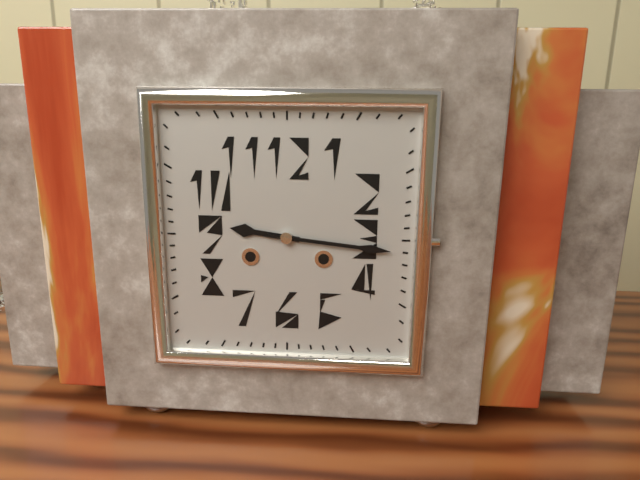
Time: **9:16**
